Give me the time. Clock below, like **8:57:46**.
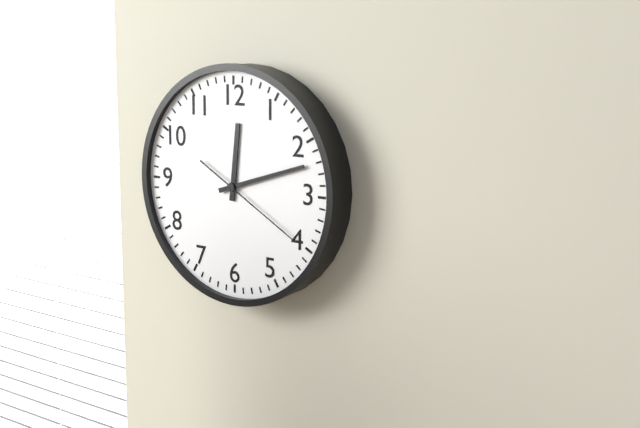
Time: **12:12:20**
